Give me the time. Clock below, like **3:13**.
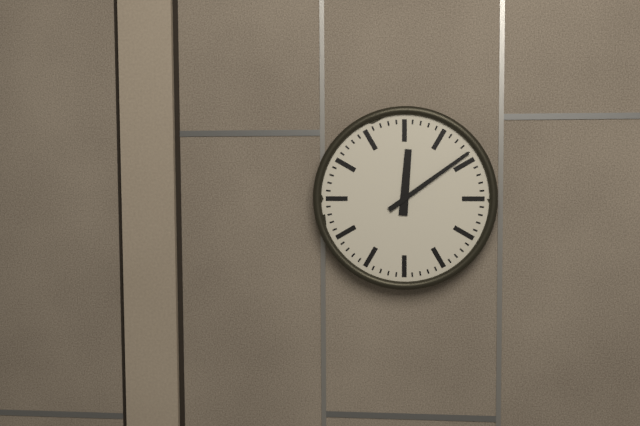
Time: **12:09**
